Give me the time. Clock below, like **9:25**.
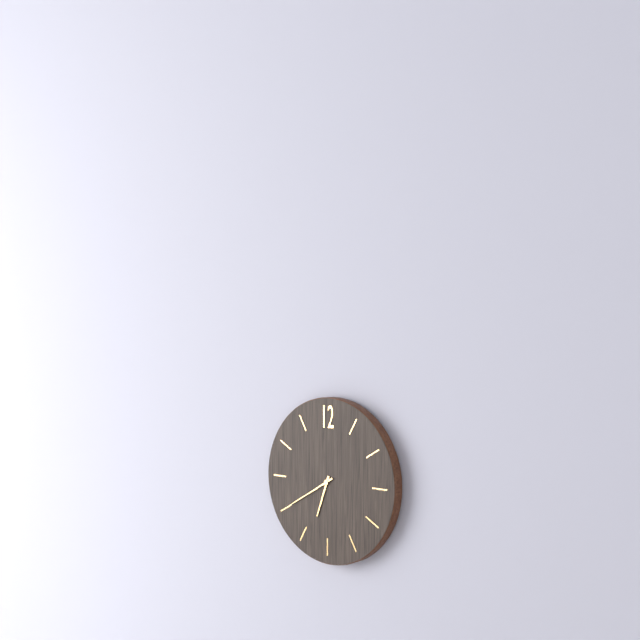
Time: **6:40**
